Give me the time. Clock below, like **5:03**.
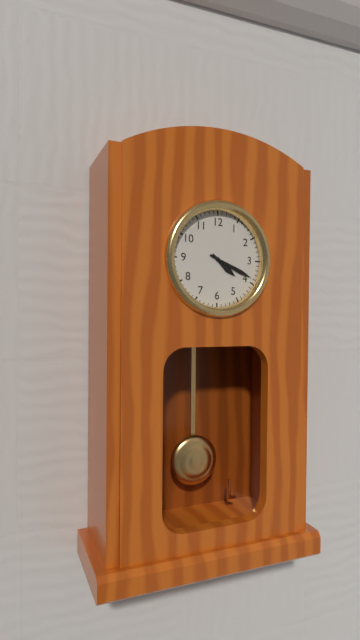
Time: **4:19**
